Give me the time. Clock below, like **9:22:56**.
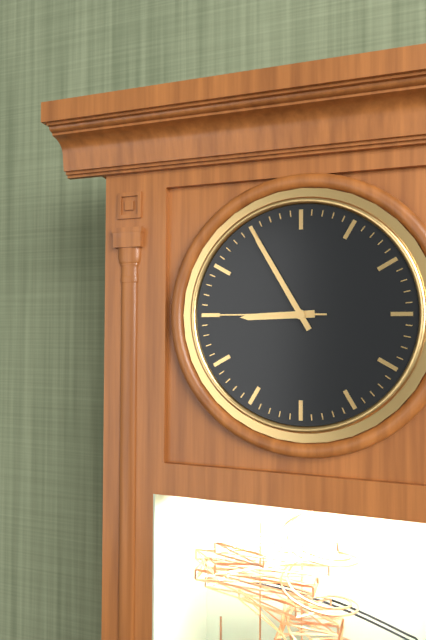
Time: **8:55:45**
